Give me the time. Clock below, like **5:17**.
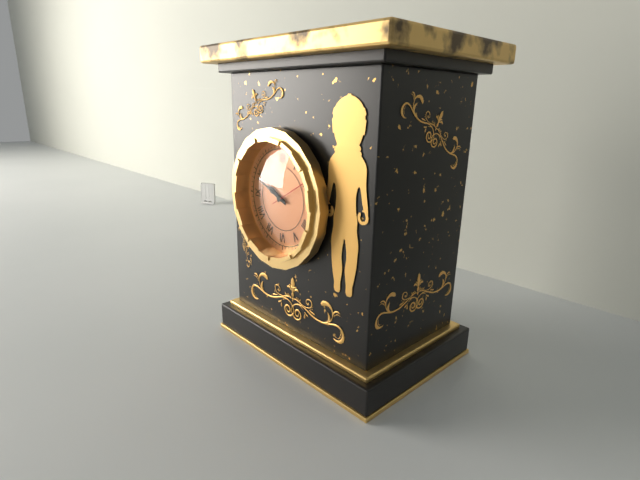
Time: **9:49**
